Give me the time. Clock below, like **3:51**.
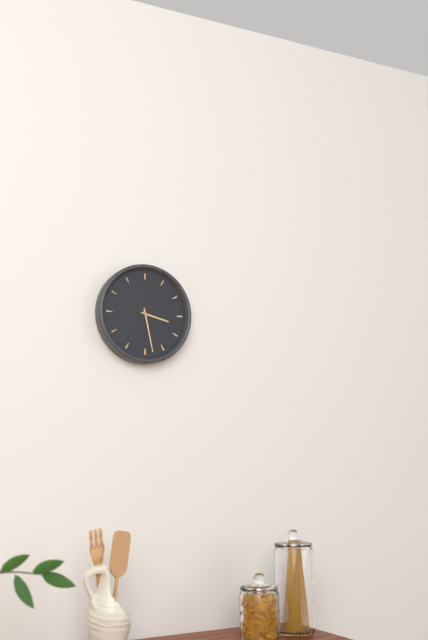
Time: **3:28**
